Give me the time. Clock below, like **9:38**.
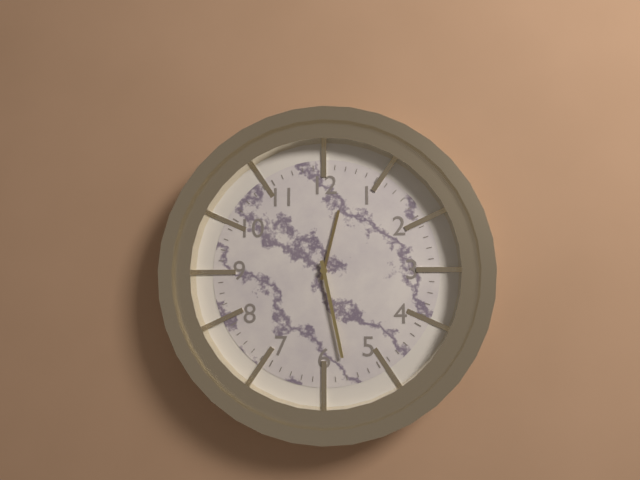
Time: **12:28**
